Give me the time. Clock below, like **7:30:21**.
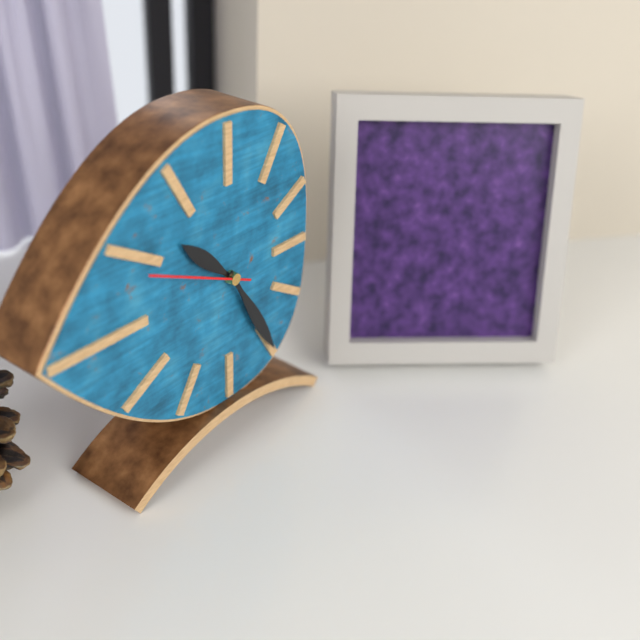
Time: **10:25:49**
